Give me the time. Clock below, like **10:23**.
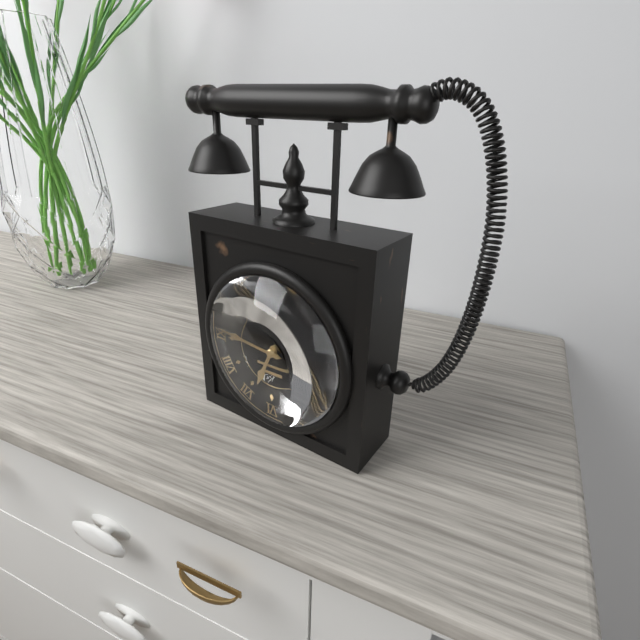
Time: **6:46**
